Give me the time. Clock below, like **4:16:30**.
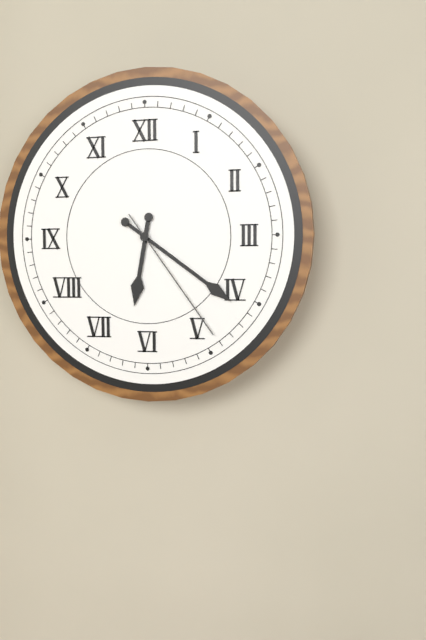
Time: **6:21:24**
